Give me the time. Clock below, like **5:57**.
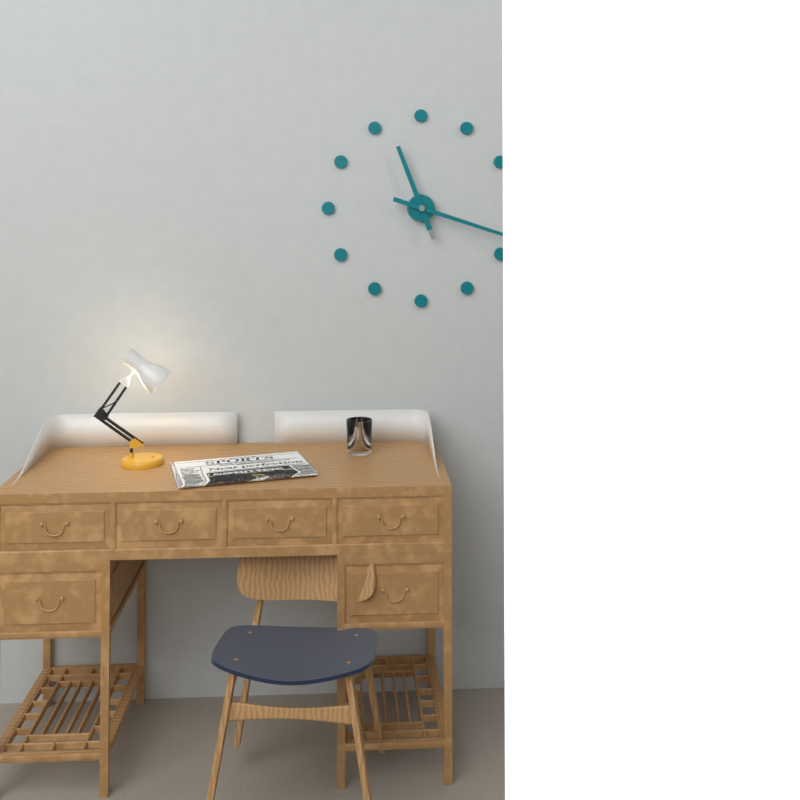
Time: **11:18**
